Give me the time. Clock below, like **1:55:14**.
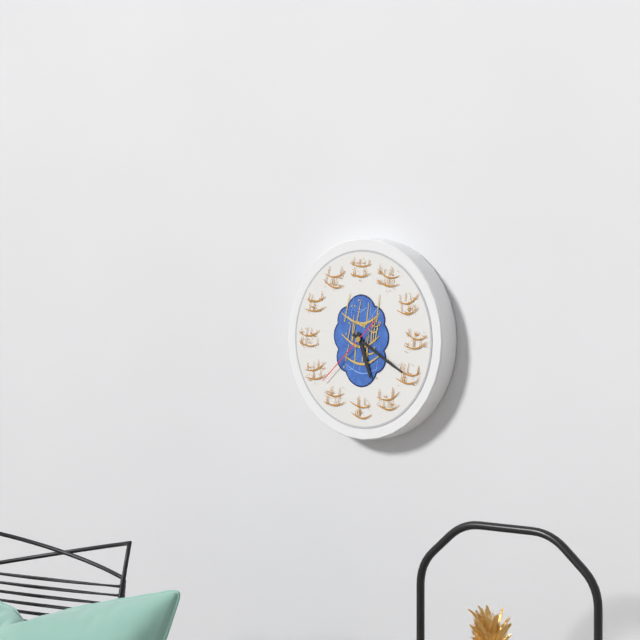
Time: **5:20:38**
